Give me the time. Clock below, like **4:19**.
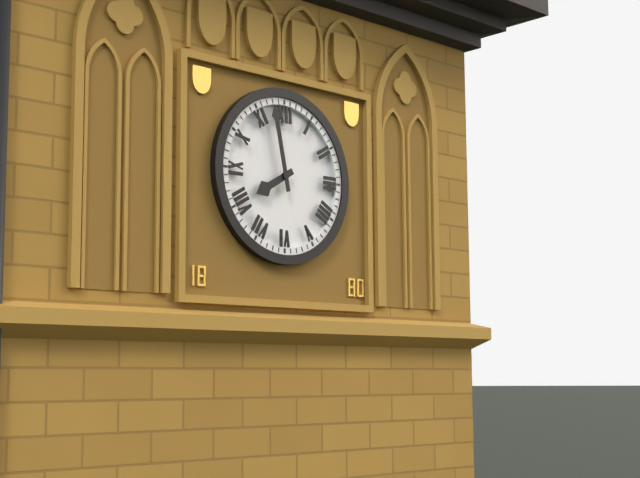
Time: **7:58**
